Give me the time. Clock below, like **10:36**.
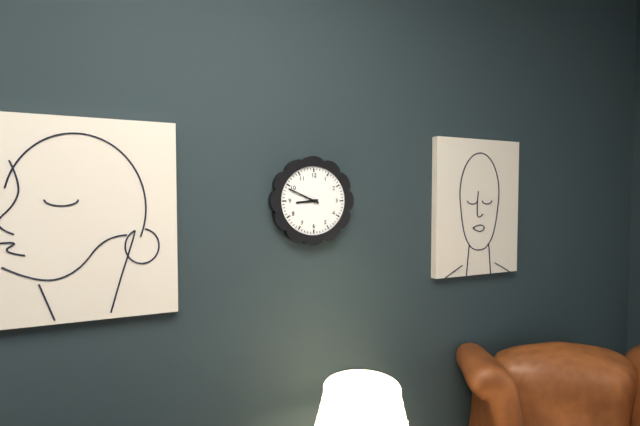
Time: **8:49**
